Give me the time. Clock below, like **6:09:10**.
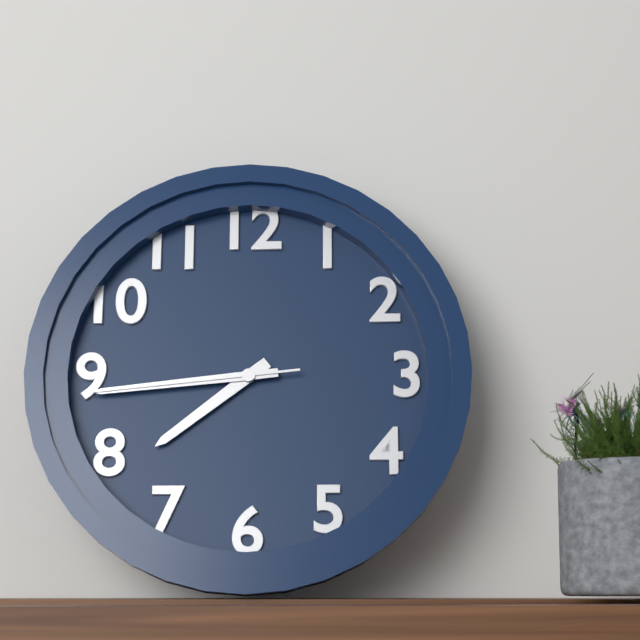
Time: **7:44:44**
